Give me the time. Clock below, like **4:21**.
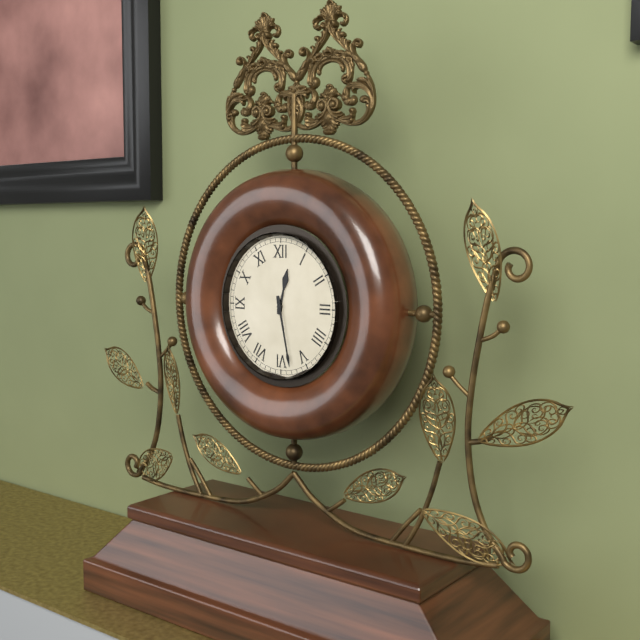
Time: **12:28**
